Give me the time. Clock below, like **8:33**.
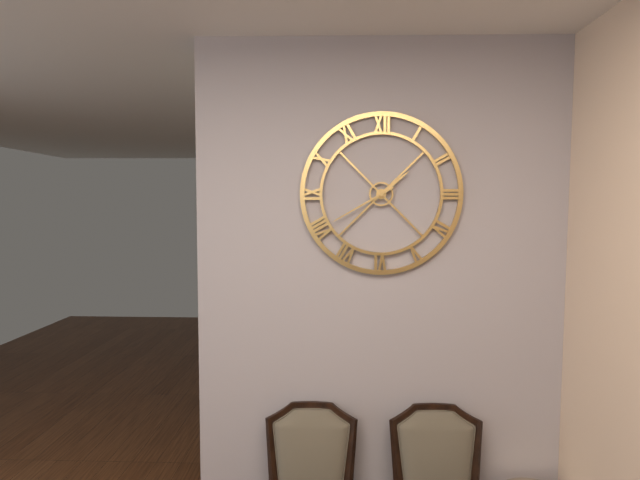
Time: **1:40**
